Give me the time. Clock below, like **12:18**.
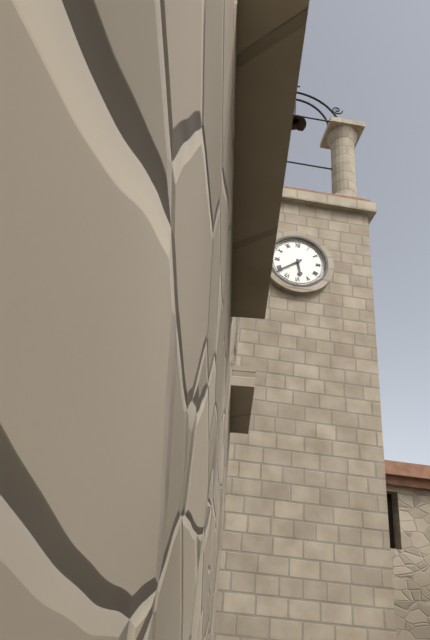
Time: **5:39**
